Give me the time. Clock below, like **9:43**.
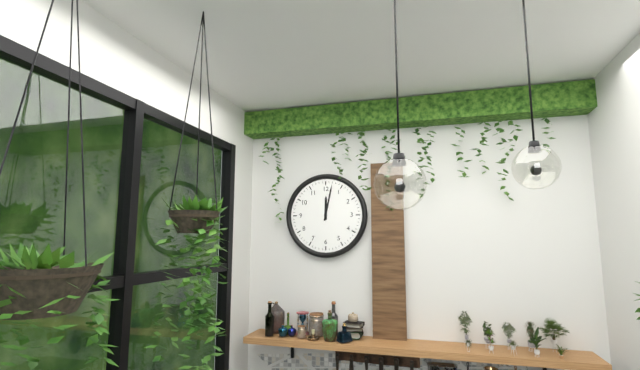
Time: **12:02**
